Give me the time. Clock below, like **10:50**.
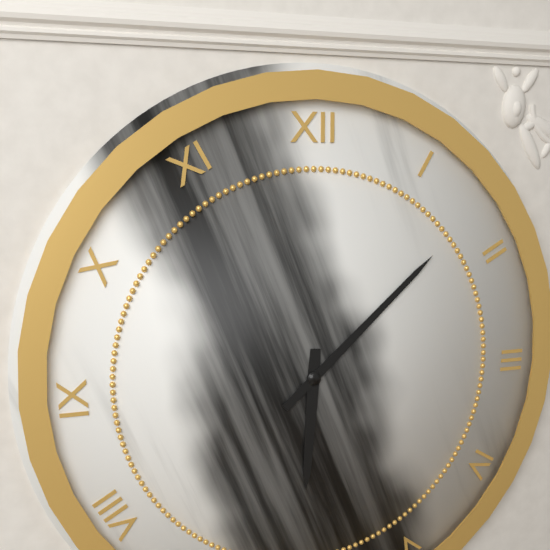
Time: **6:08**
